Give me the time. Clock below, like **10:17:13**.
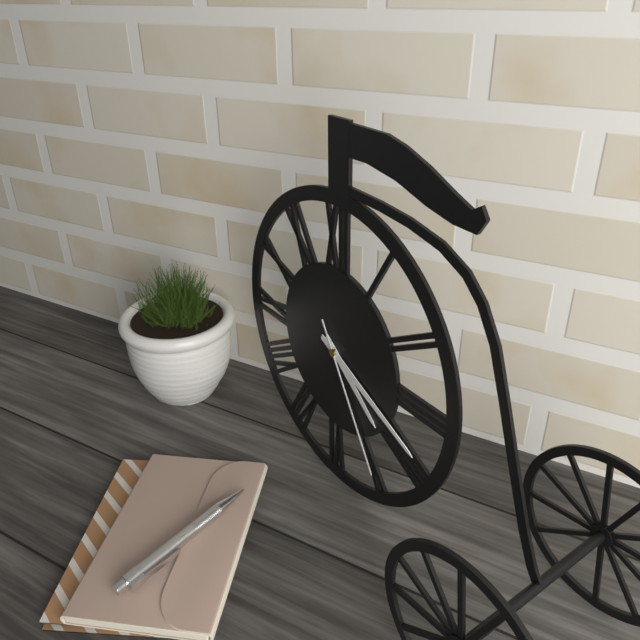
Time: **4:19:25**
